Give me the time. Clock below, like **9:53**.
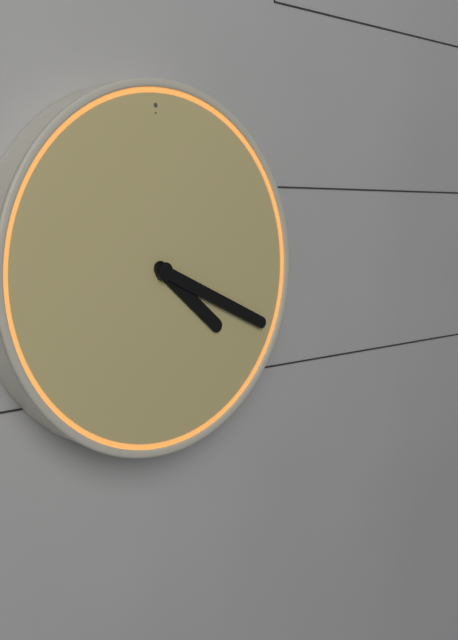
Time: **4:19**
